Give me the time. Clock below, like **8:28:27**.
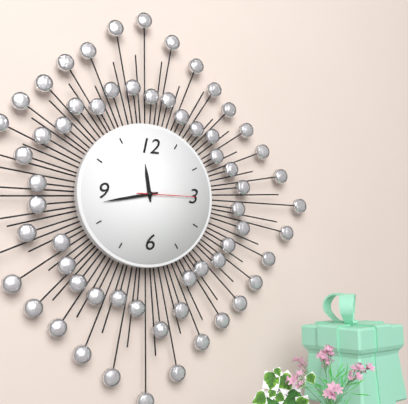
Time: **11:43:15**
